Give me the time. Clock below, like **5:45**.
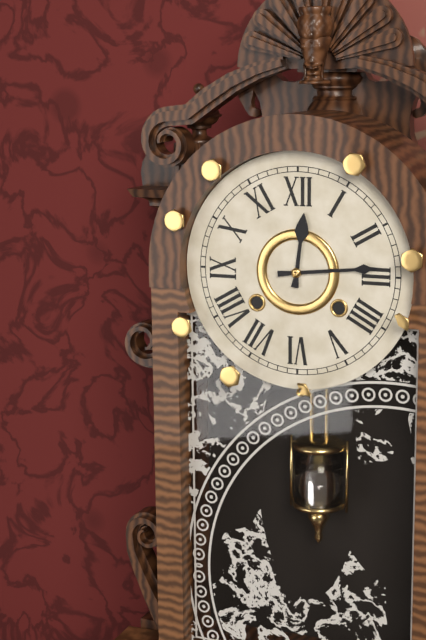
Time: **12:14**
